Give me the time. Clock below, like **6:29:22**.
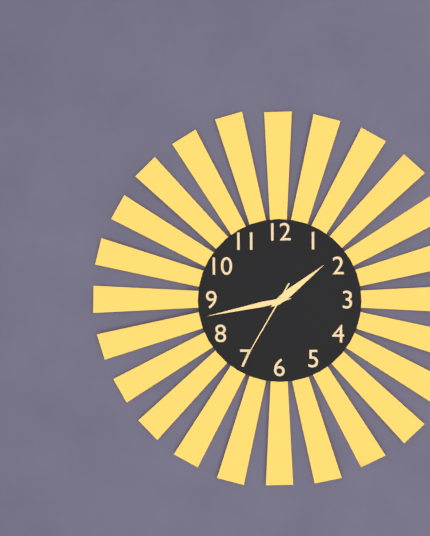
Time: **1:43:35**
